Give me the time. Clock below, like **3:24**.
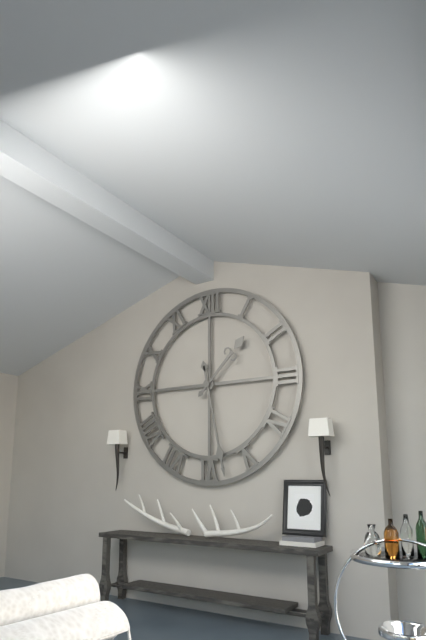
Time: **1:28**
